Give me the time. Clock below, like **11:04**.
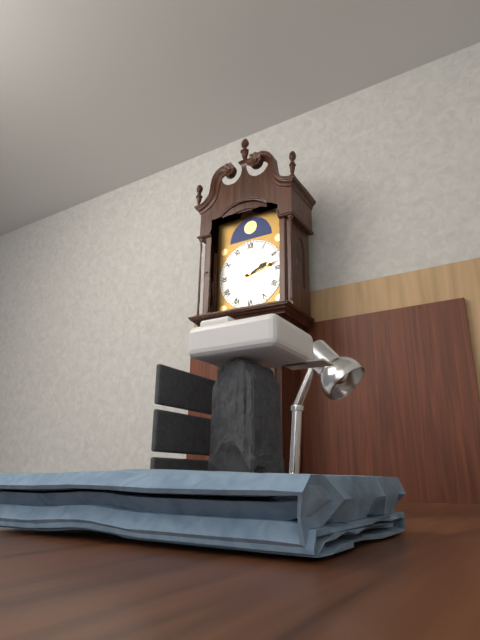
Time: **2:13**
